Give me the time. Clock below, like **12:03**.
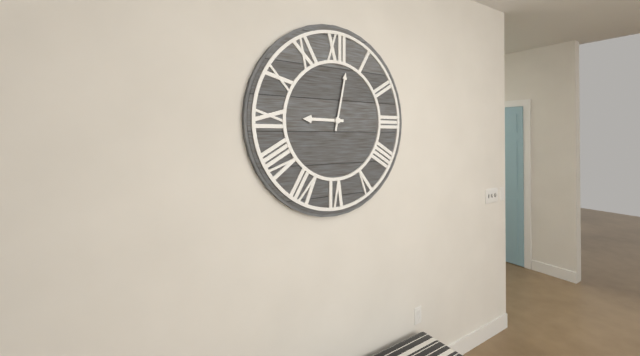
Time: **9:02**
